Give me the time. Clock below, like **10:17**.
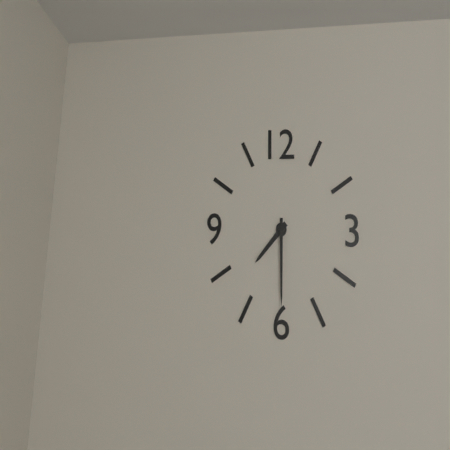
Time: **7:30**
